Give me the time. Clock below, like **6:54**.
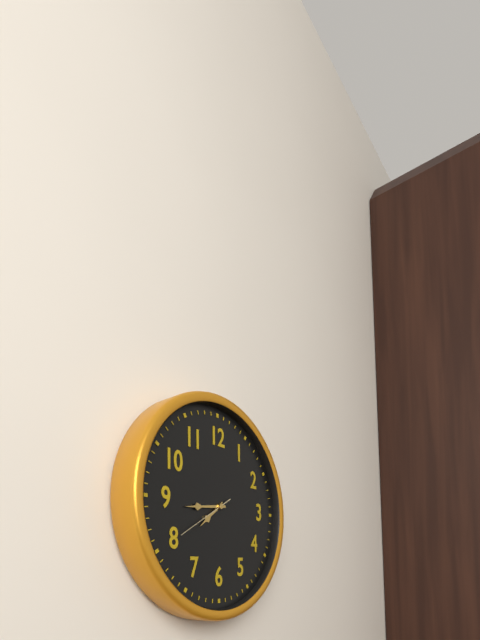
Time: **7:44**
